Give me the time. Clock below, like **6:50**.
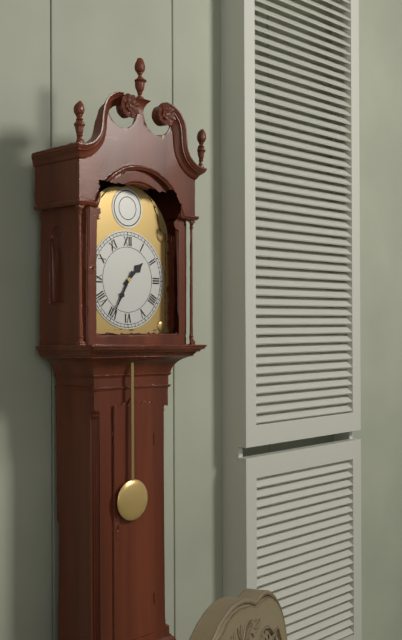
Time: **1:35**
